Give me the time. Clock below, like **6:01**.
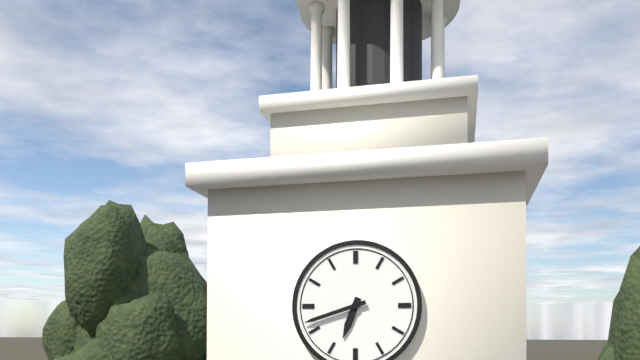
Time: **6:42**
